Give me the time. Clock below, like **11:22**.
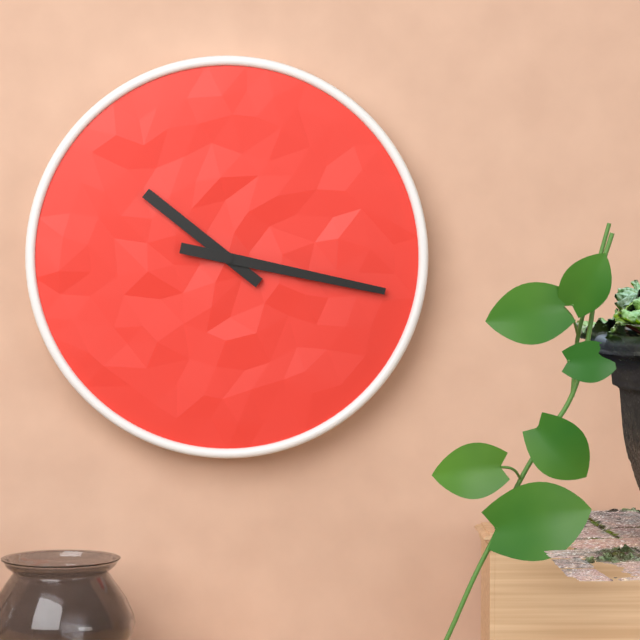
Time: **10:17**
